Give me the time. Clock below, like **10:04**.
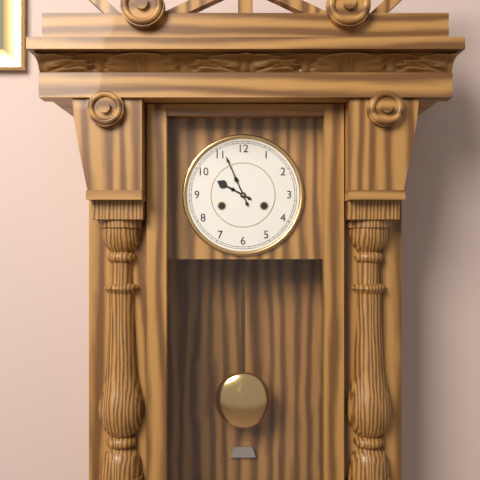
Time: **9:56**
